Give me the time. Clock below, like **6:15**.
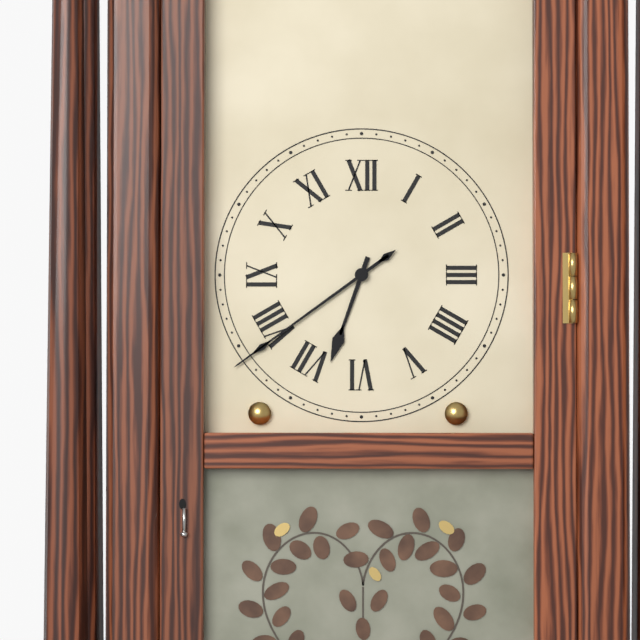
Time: **6:39**
